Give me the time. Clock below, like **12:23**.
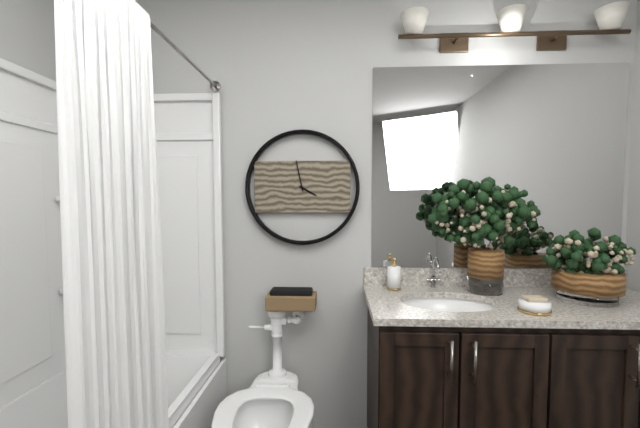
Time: **3:58**
